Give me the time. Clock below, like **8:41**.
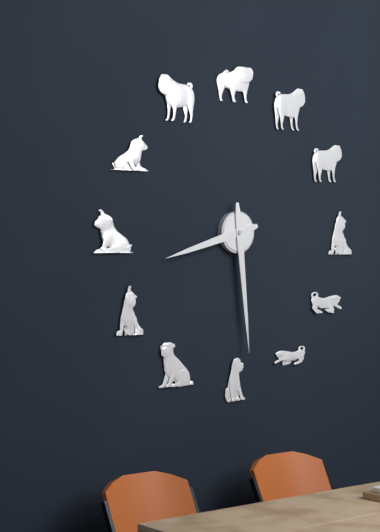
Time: **8:29**
